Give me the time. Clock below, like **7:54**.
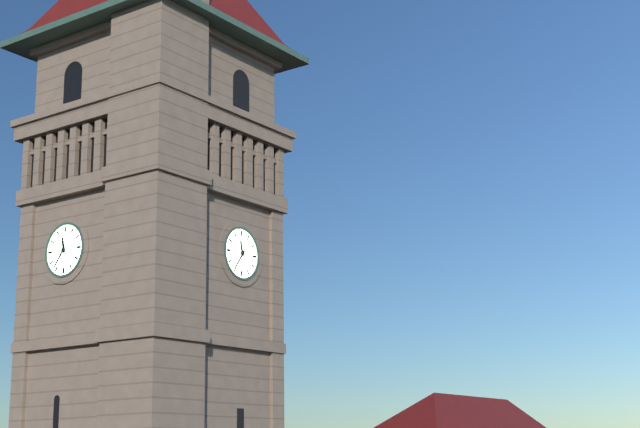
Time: **11:36**
